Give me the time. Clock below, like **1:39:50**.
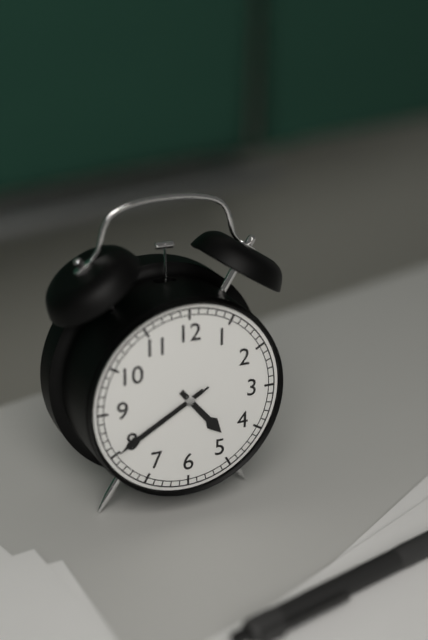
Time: **4:40:40**
